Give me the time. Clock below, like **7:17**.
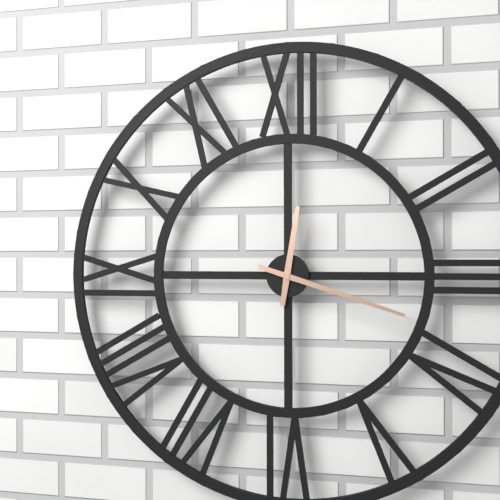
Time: **12:18**
